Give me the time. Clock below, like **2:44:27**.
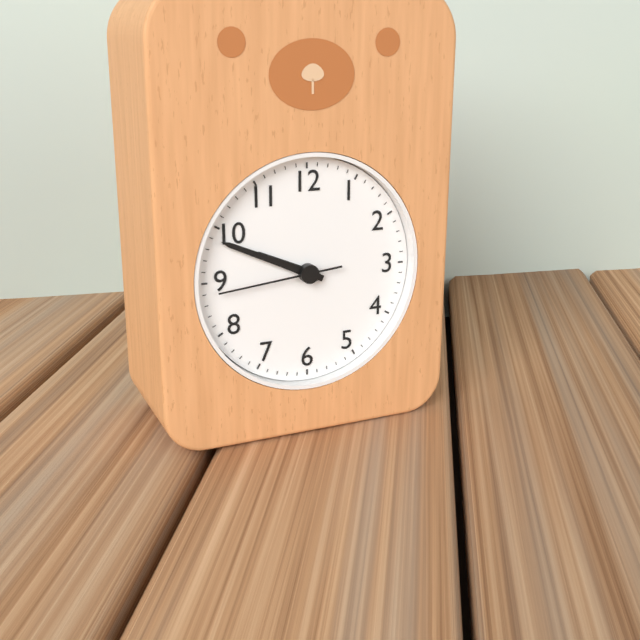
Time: **9:49:44**
